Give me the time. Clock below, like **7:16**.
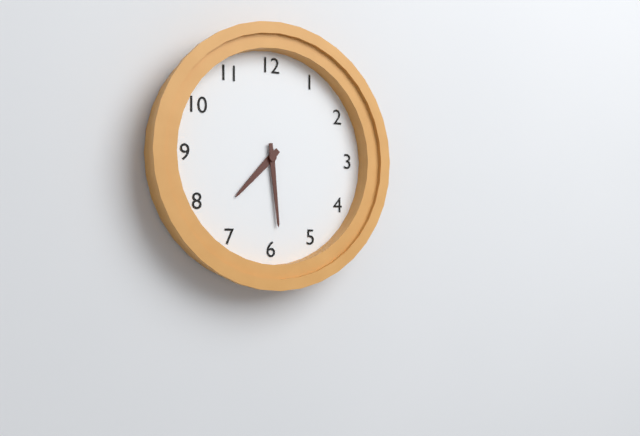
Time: **7:29**
